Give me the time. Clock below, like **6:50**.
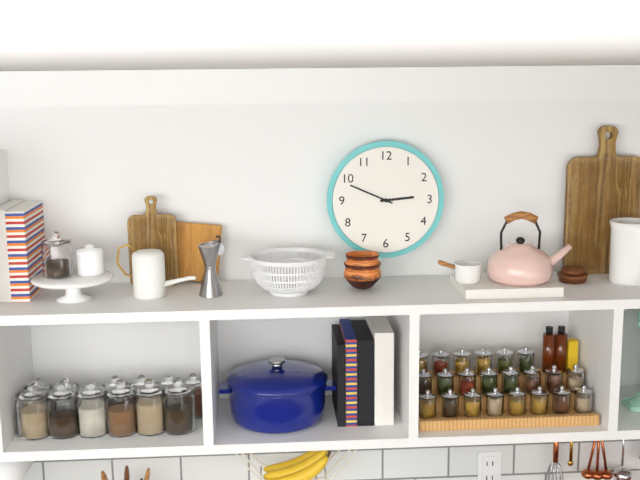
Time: **2:49**
